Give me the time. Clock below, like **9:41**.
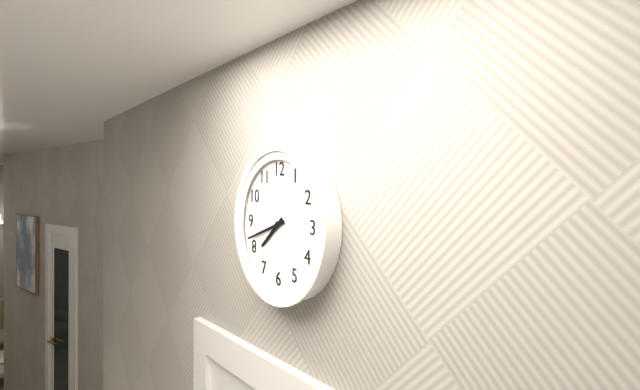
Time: **7:42**
